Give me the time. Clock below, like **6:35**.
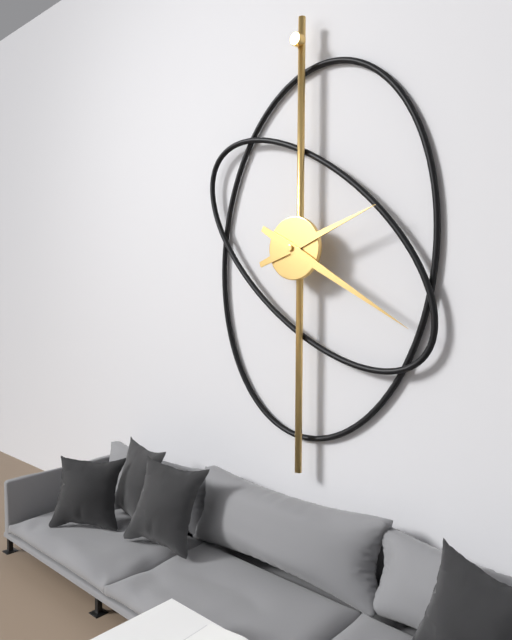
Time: **2:20**
